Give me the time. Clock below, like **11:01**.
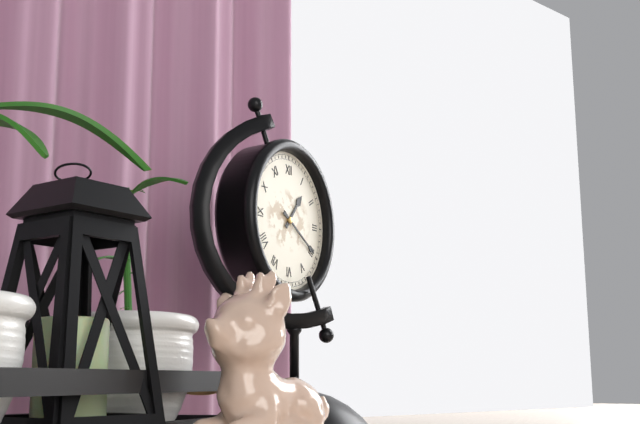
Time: **1:20**
